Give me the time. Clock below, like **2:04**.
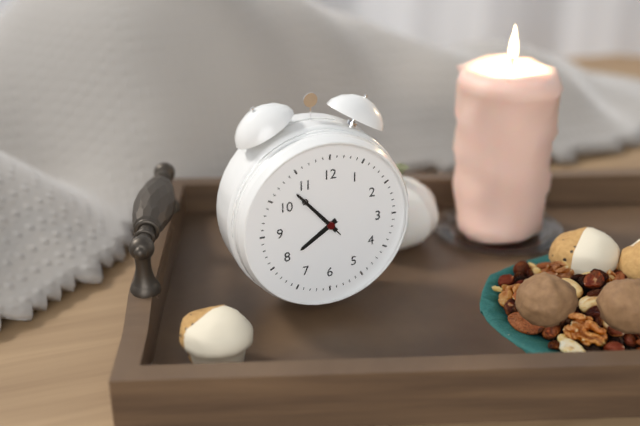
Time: **7:53**
